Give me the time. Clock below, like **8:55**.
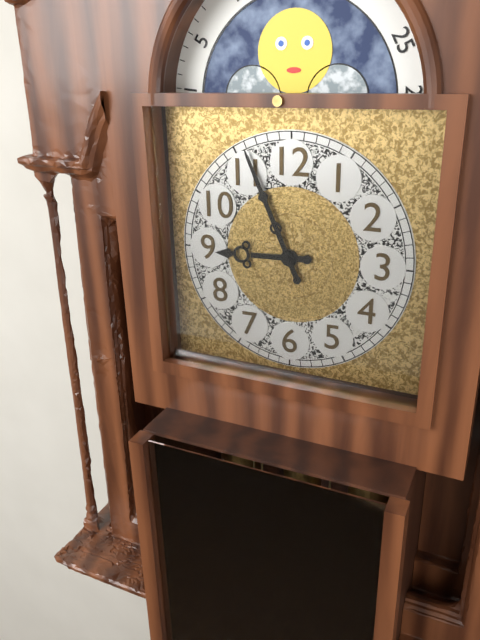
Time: **8:56**
